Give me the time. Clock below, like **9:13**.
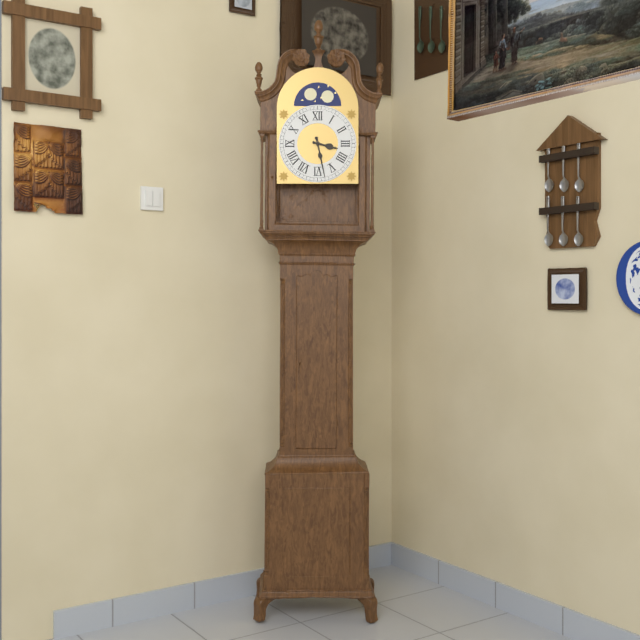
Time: **3:28**
